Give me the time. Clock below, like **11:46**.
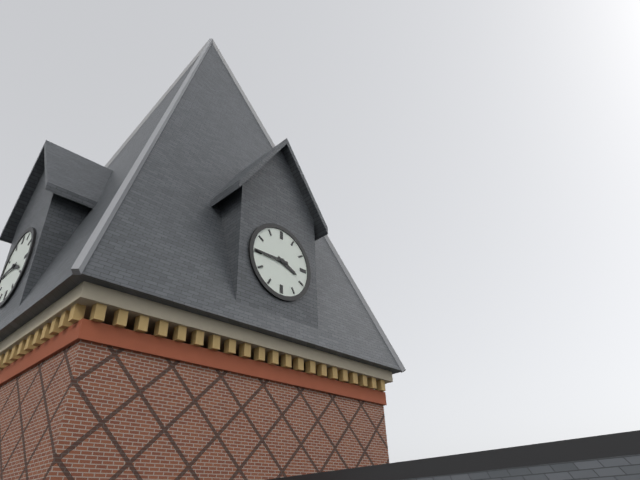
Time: **3:45**
